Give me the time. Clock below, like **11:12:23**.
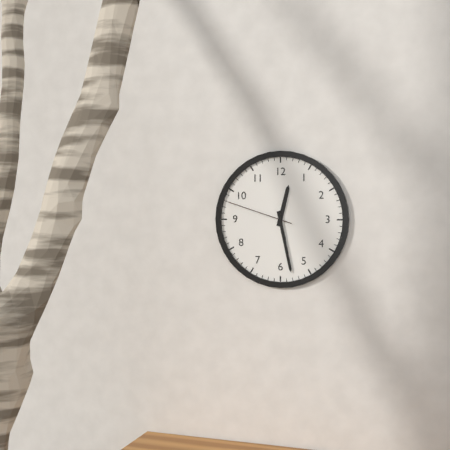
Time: **12:28:48**
